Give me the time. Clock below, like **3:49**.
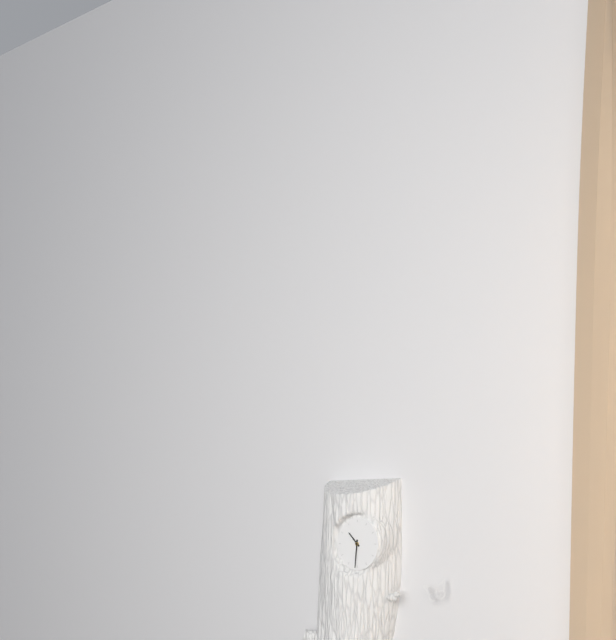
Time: **10:31**
